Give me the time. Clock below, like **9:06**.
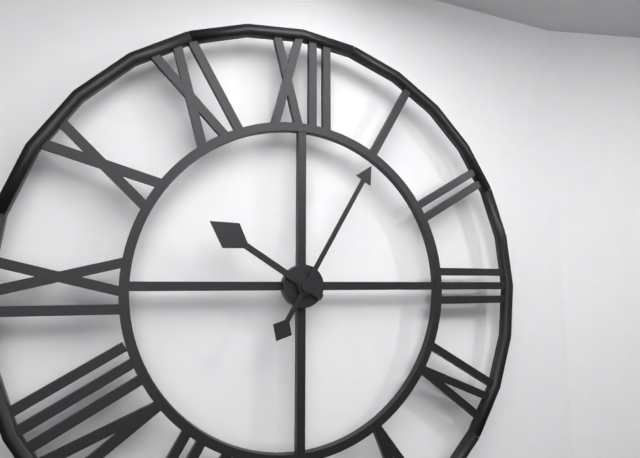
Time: **10:05**
